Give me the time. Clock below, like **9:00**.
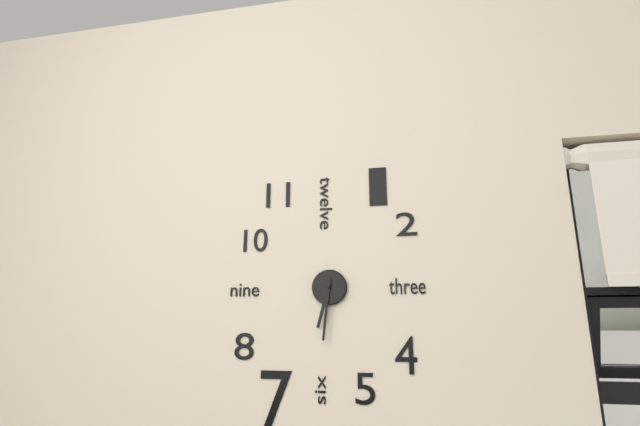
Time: **6:31**
